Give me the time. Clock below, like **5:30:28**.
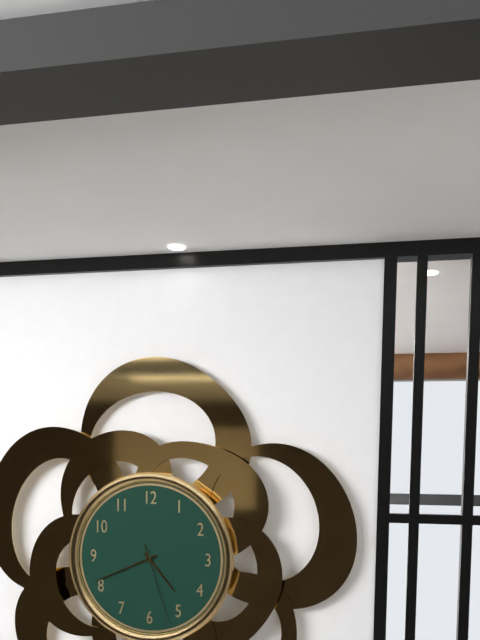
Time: **4:41:27**
